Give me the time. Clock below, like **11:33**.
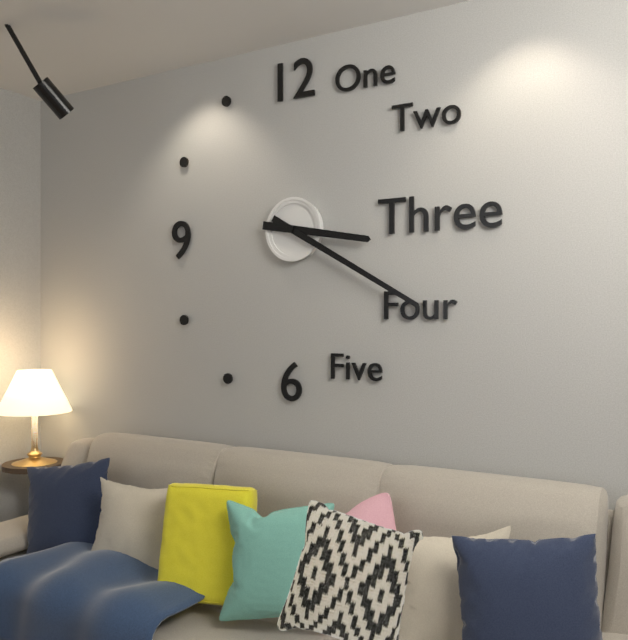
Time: **3:20**
